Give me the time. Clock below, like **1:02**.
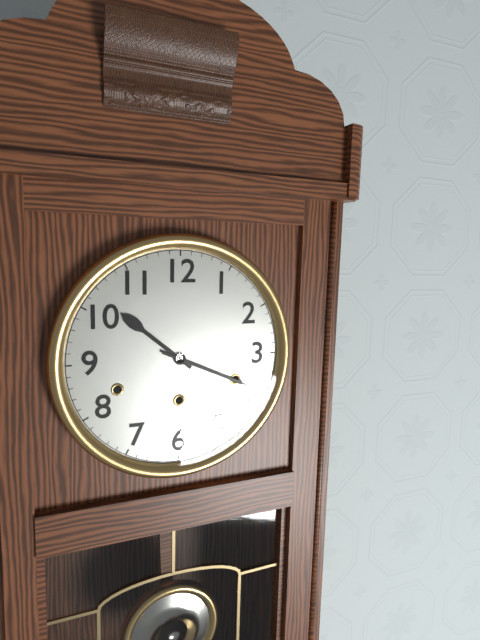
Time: **10:19**
